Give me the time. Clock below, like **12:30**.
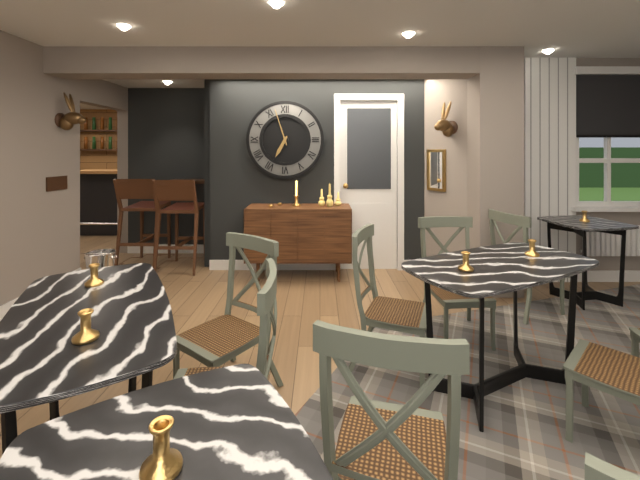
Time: **6:57**
